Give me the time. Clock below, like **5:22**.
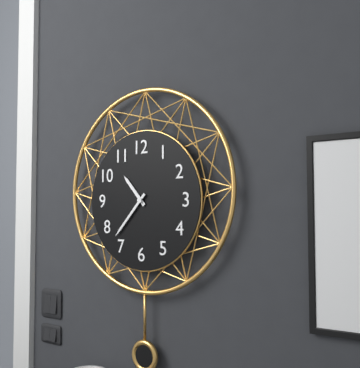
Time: **10:37**
